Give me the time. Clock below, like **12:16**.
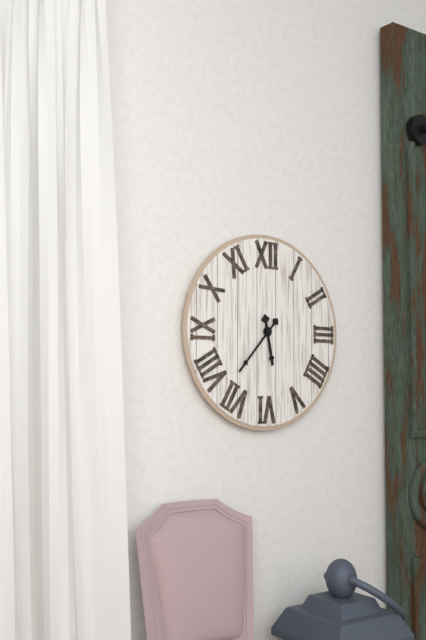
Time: **5:37**
